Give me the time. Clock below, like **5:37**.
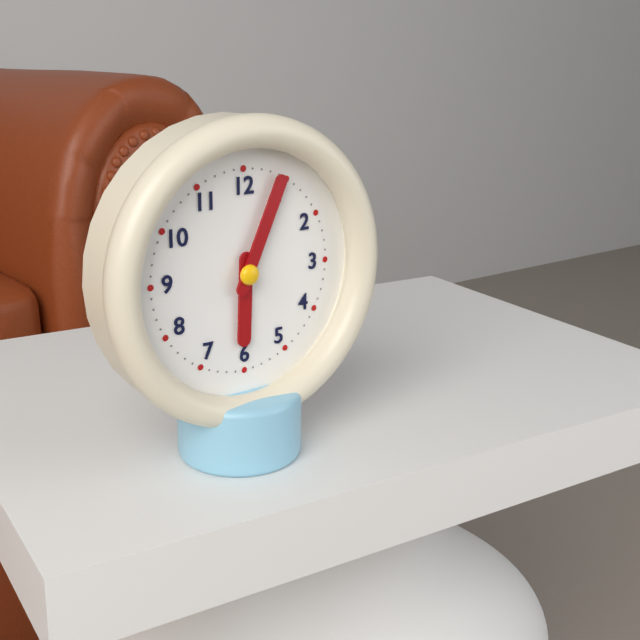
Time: **6:04**
